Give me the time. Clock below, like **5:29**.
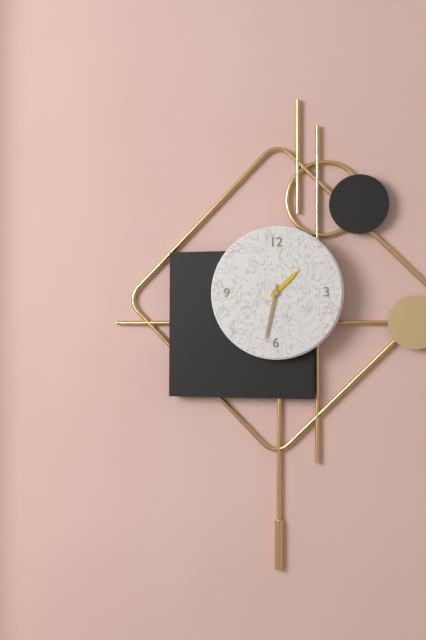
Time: **1:32**
